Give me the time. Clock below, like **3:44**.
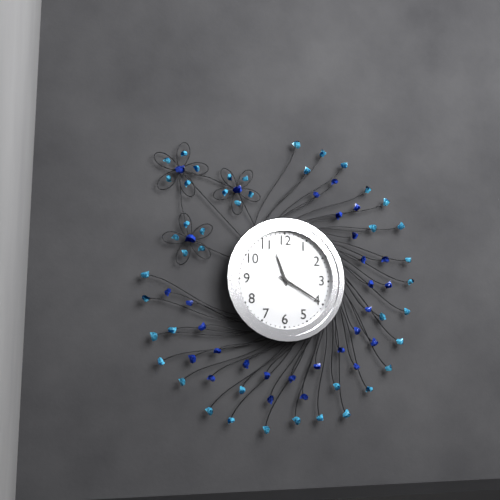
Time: **11:20**
